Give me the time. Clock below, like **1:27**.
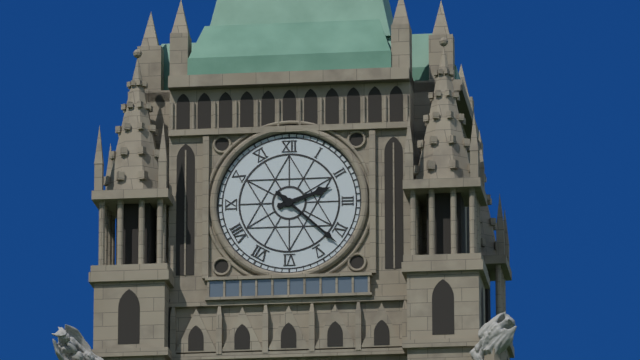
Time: **2:22**
